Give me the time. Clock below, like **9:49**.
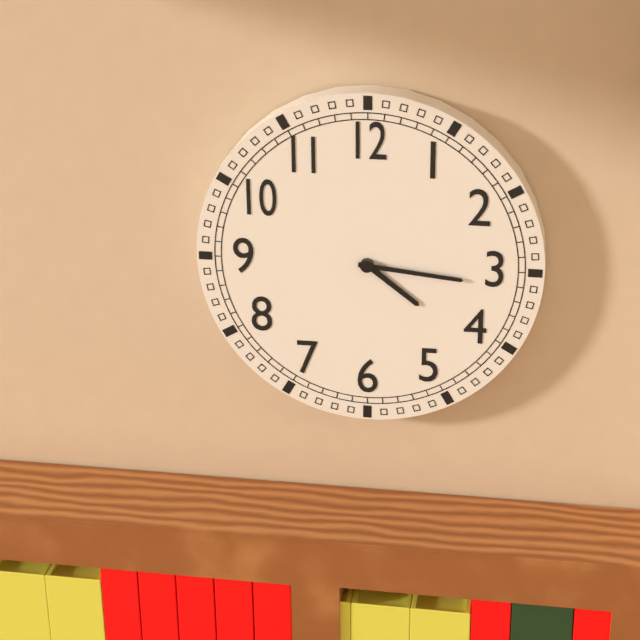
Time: **4:16**
